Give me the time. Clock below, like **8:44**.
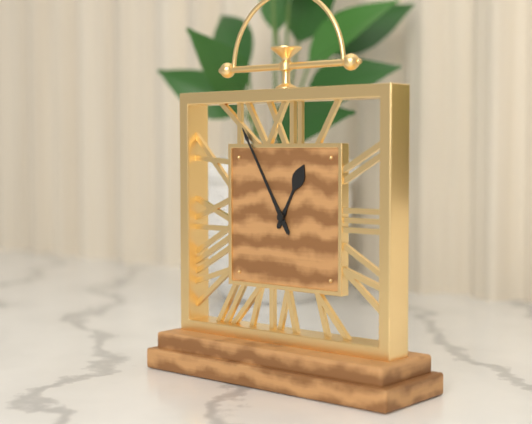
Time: **12:55**
